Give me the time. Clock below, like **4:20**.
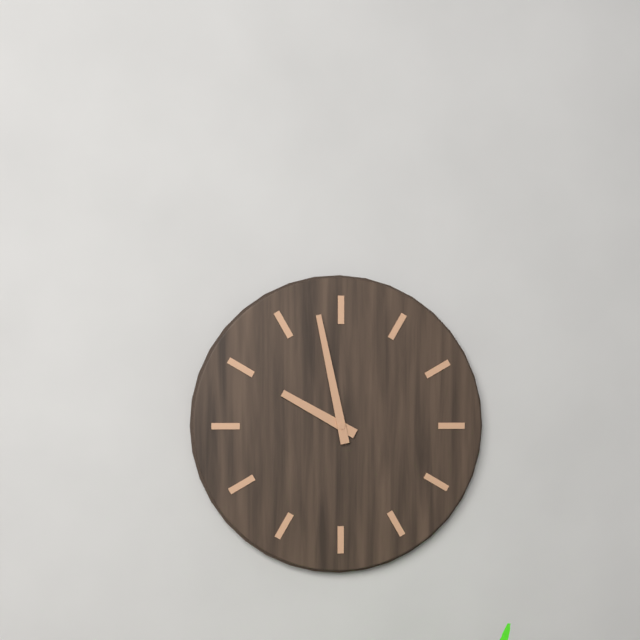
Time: **9:58**
